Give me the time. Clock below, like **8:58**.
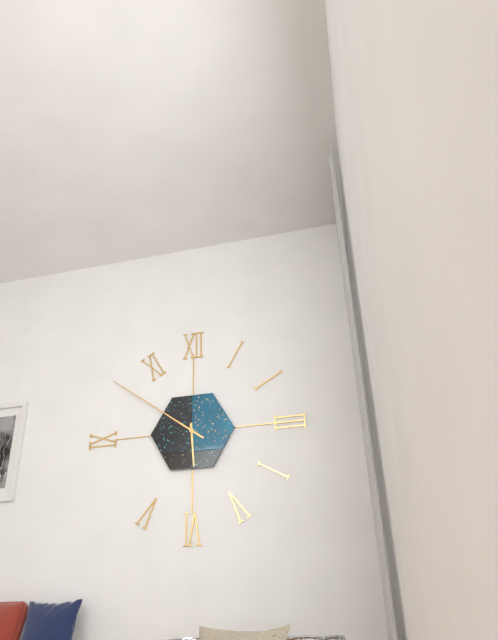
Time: **5:51**
